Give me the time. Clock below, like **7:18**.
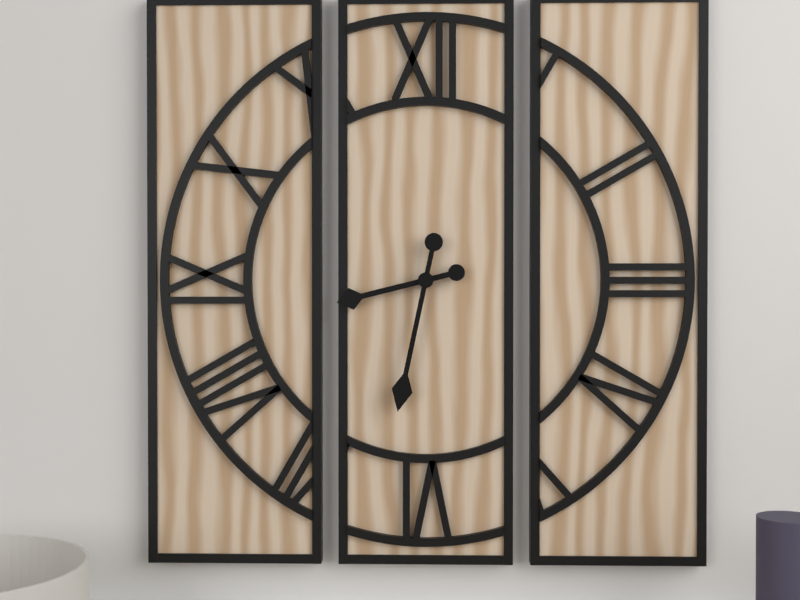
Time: **8:32**
